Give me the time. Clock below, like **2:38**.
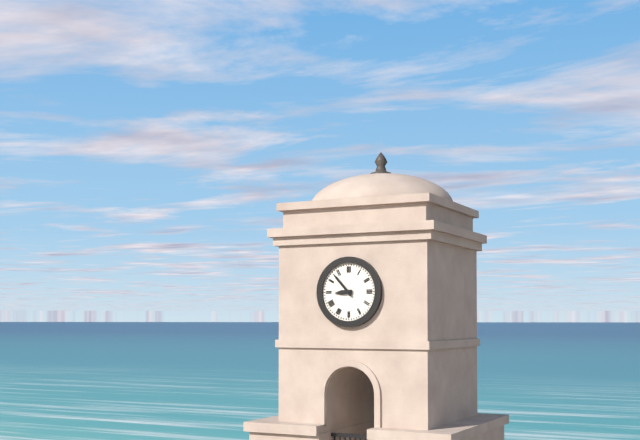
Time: **8:53**
